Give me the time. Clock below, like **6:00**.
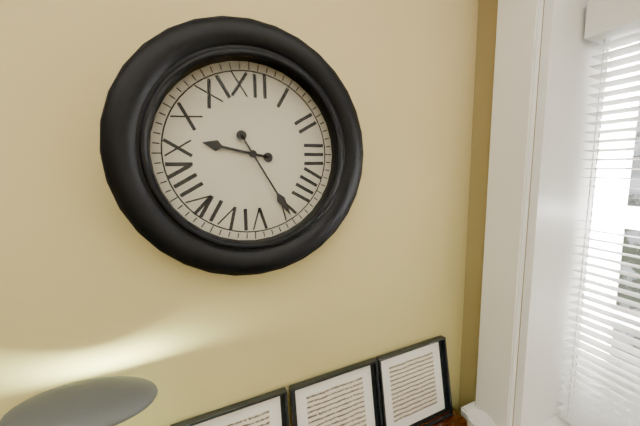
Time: **9:25**
